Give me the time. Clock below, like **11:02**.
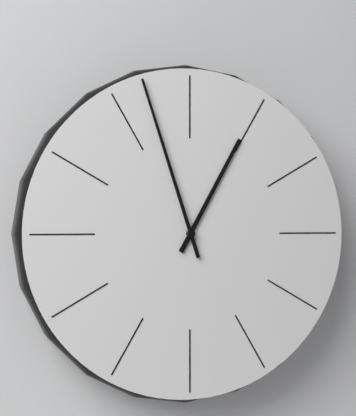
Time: **12:57**
